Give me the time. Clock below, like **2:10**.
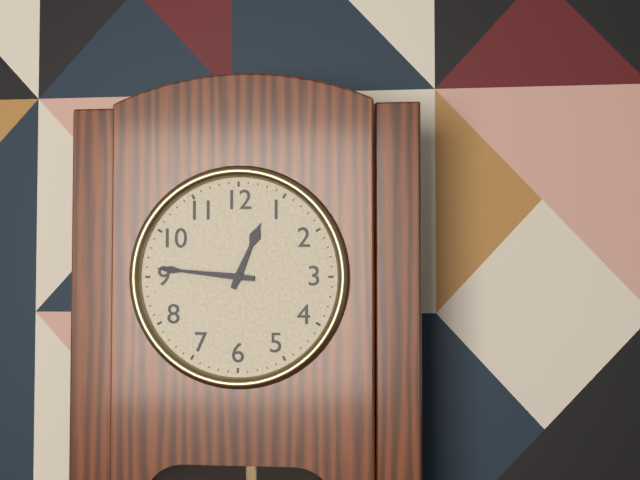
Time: **12:46**
